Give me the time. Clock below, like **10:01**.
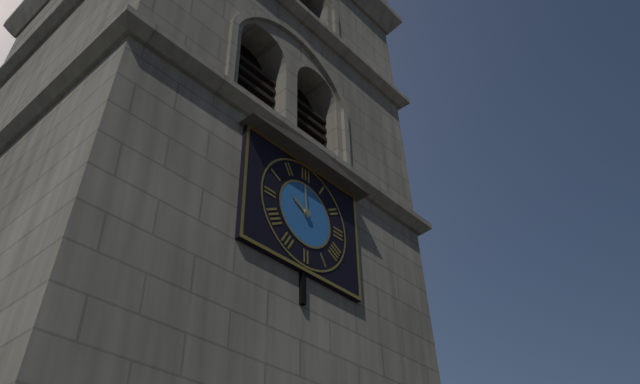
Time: **9:59**
